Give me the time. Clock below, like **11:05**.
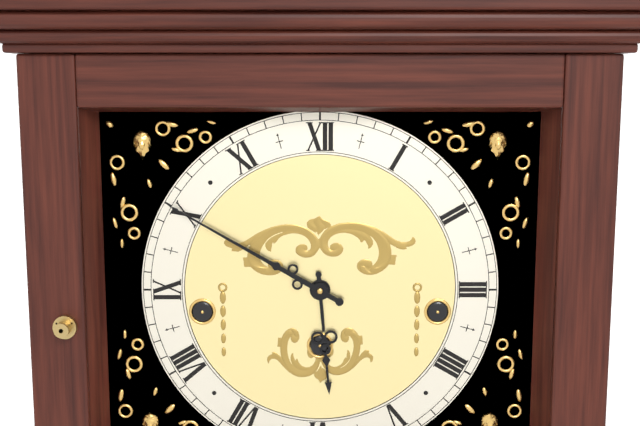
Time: **5:50**
